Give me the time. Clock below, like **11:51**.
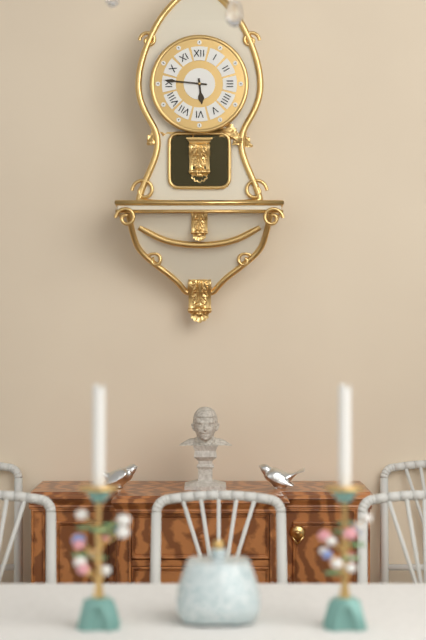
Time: **5:46**
